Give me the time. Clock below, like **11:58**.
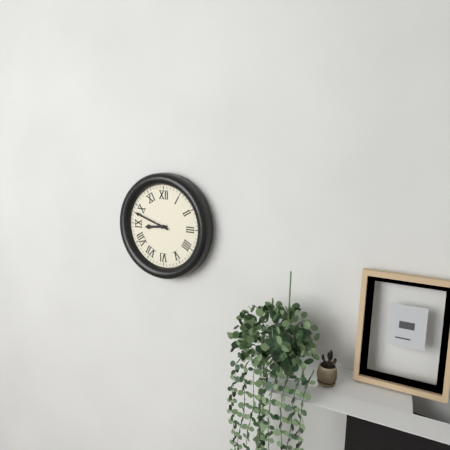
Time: **8:48**
